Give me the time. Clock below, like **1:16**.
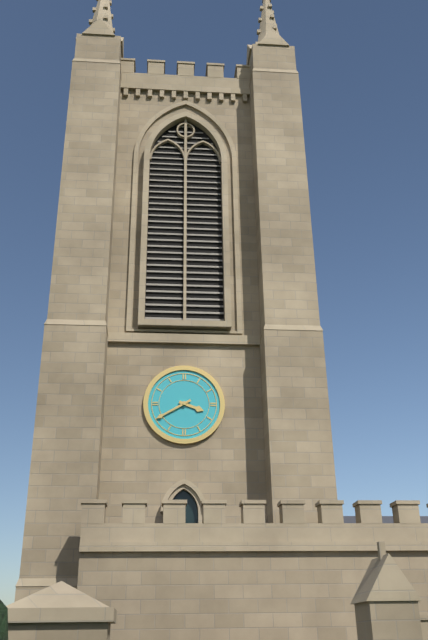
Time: **3:40**
